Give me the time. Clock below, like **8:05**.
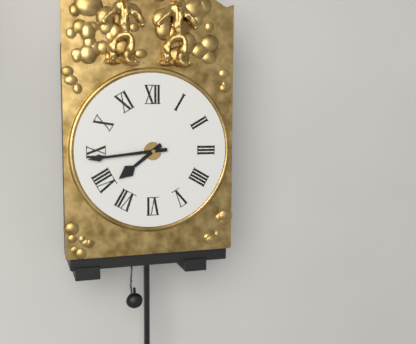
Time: **7:44**
